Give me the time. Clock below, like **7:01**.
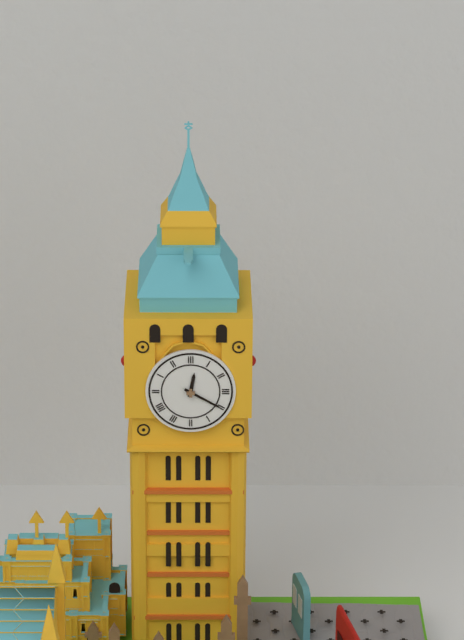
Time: **12:20**
